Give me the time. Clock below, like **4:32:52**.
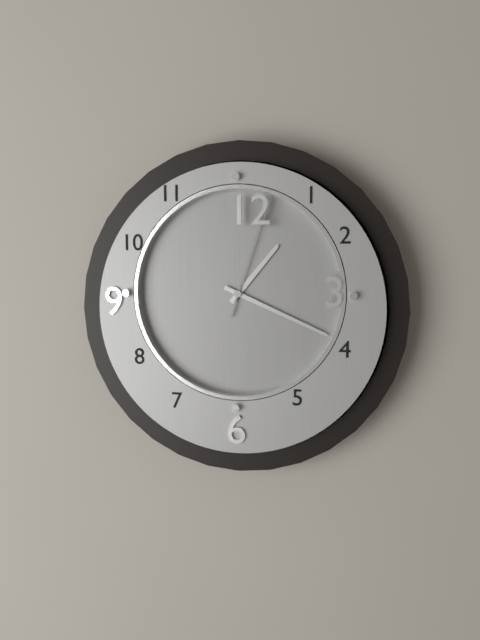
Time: **1:19:03**
